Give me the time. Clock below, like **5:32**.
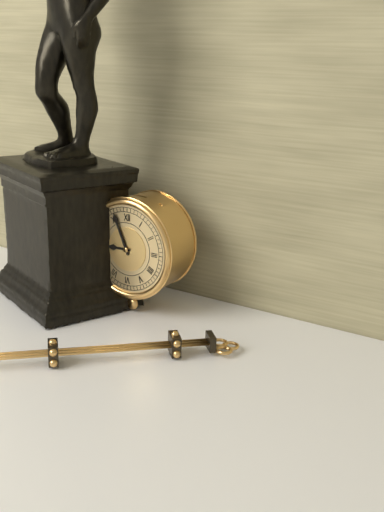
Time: **8:56**
